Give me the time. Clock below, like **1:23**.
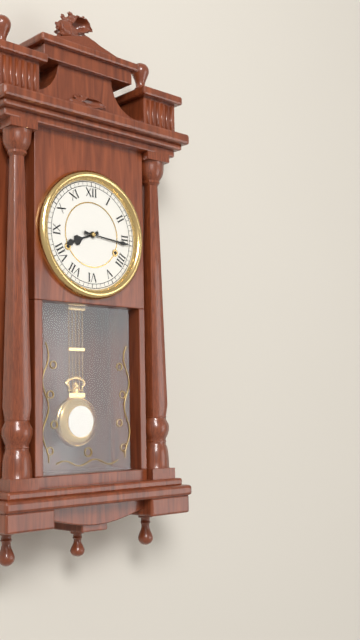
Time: **8:16**
